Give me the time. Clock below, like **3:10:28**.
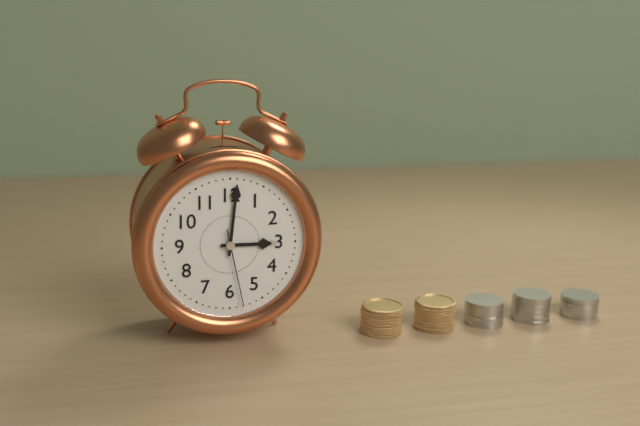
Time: **3:01:28**
